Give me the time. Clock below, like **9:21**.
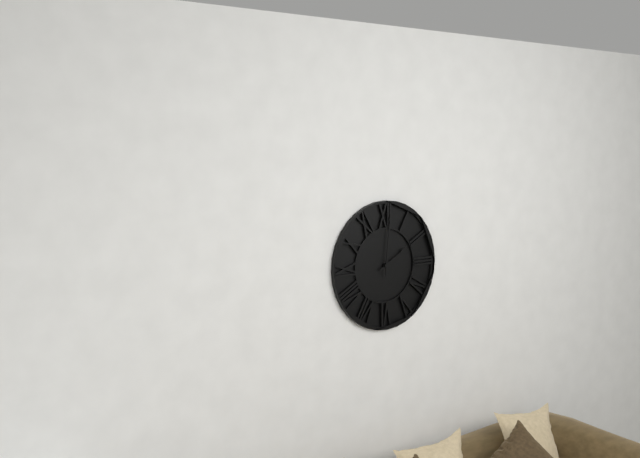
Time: **2:01**
